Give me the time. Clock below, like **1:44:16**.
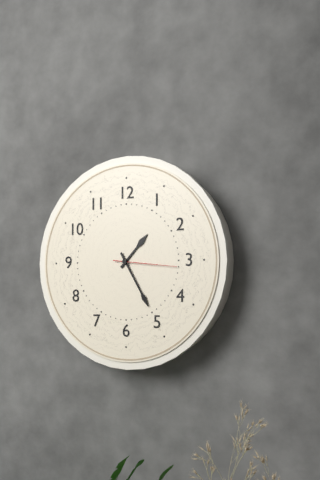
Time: **1:25:16**
